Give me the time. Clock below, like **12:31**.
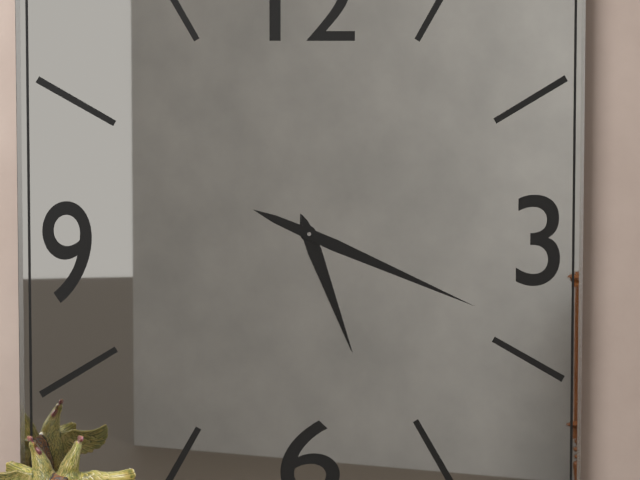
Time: **5:19**
